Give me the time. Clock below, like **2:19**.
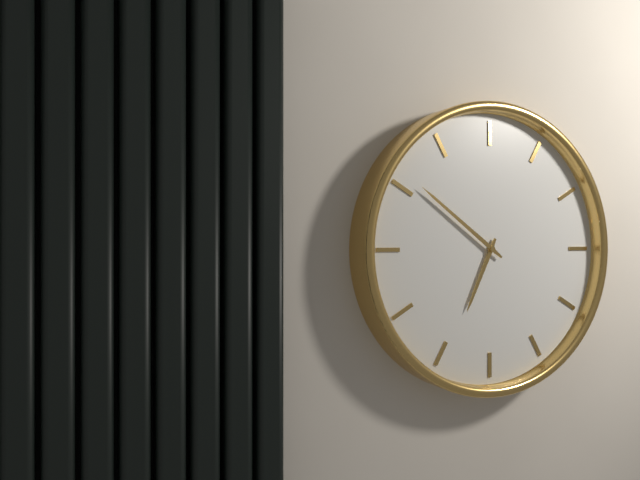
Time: **6:51**
